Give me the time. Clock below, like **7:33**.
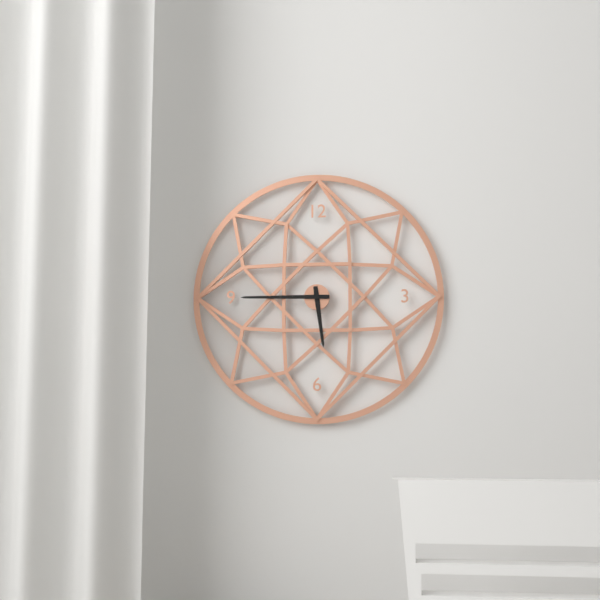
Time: **5:45**
